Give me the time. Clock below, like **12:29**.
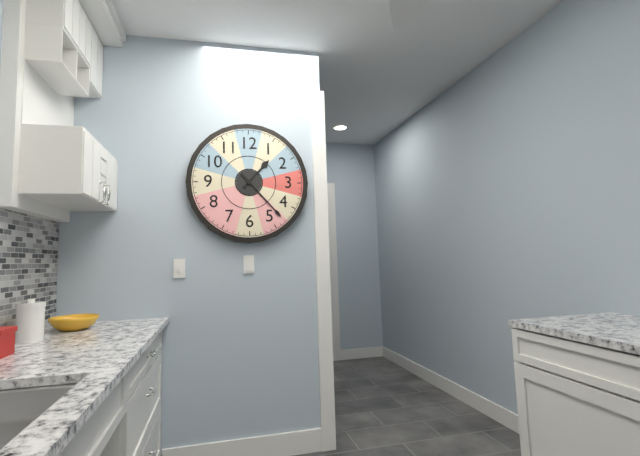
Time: **1:23**
